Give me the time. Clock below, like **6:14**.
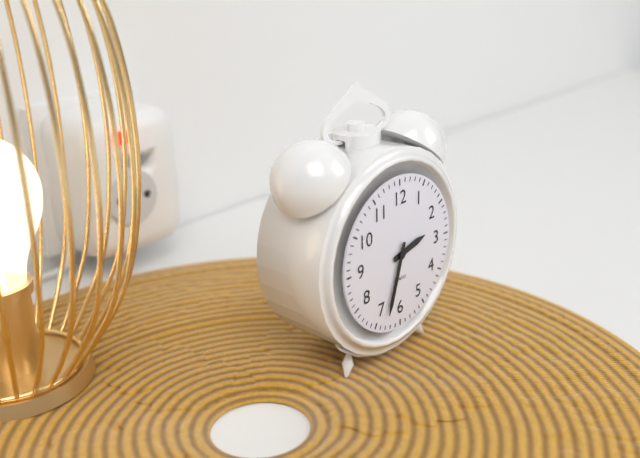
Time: **2:33**
